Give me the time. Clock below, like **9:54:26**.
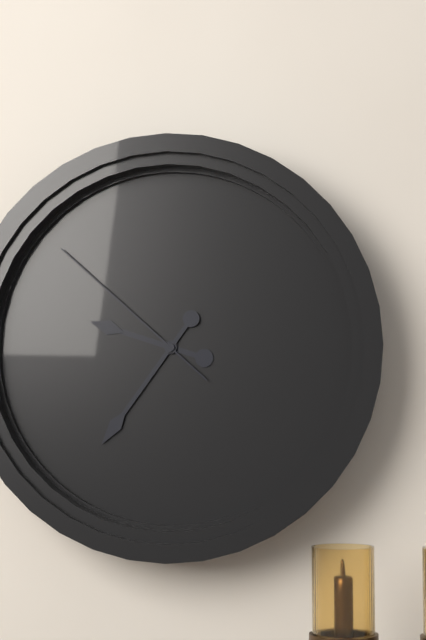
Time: **9:36:52**
